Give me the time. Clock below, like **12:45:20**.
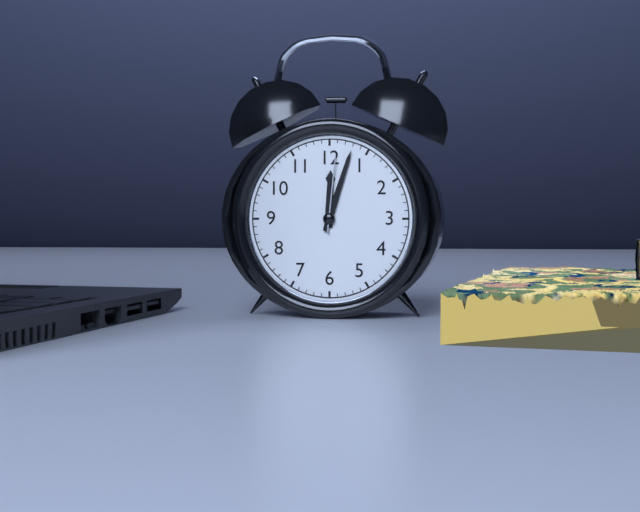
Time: **12:03:01**
